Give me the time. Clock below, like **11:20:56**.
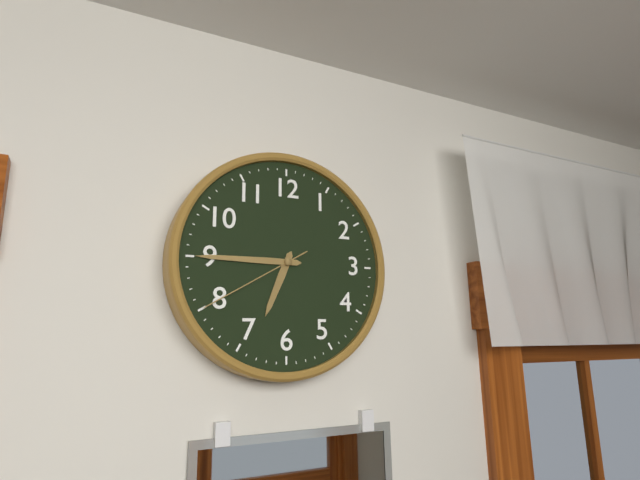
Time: **6:45:40**
